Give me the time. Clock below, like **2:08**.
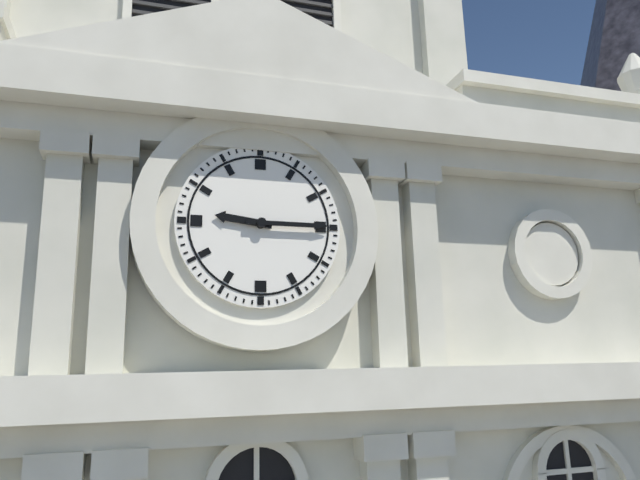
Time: **9:15**
